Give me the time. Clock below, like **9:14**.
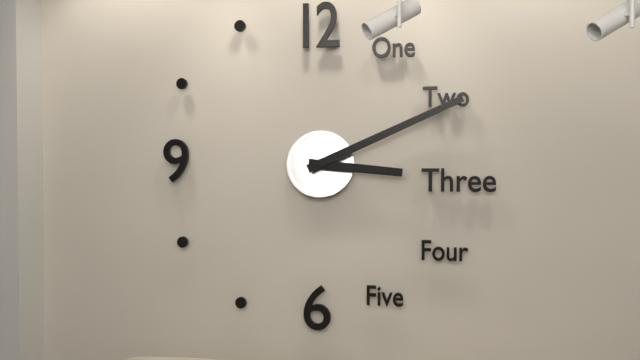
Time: **3:11**
